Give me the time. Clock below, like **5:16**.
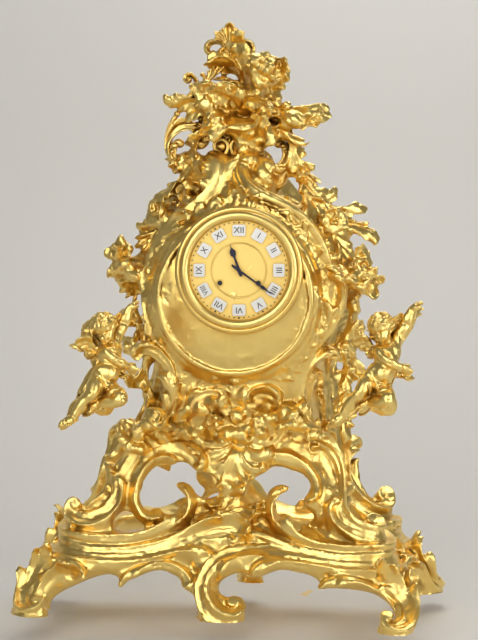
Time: **11:21**
